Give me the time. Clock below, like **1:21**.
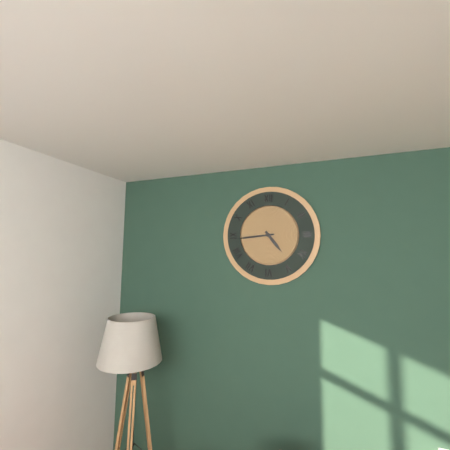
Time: **4:44**
